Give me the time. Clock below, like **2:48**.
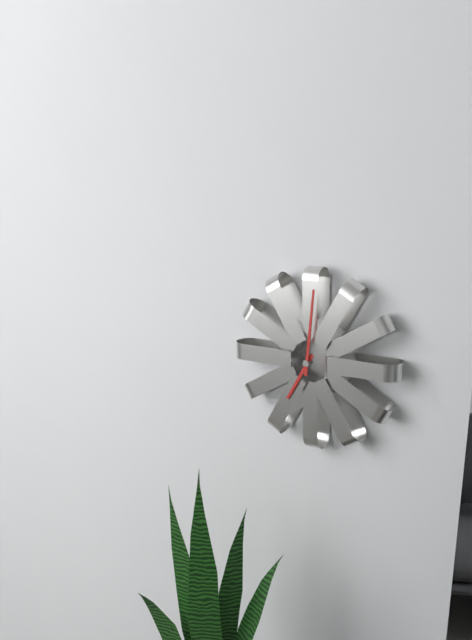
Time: **7:01**
